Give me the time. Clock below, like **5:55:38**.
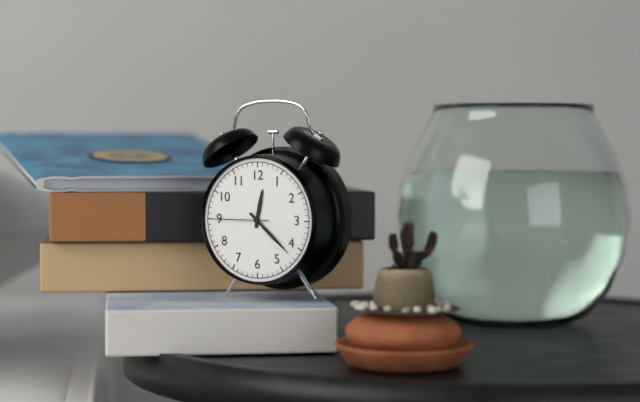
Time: **12:22:45**
